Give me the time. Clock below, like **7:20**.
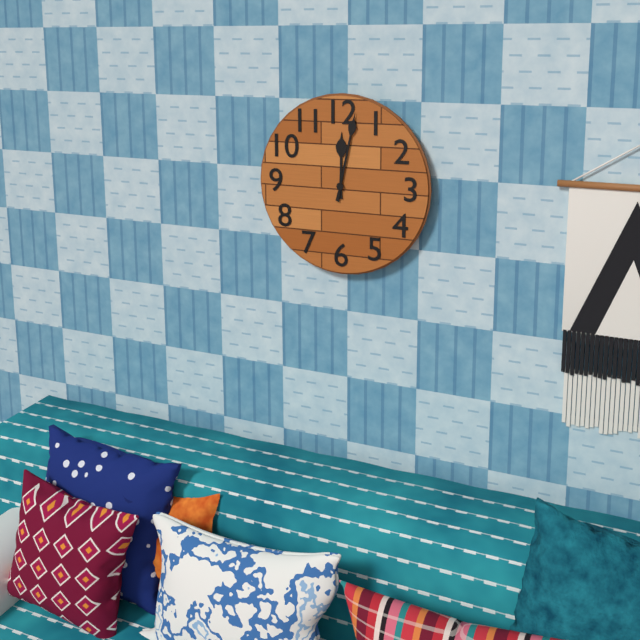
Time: **12:02**
